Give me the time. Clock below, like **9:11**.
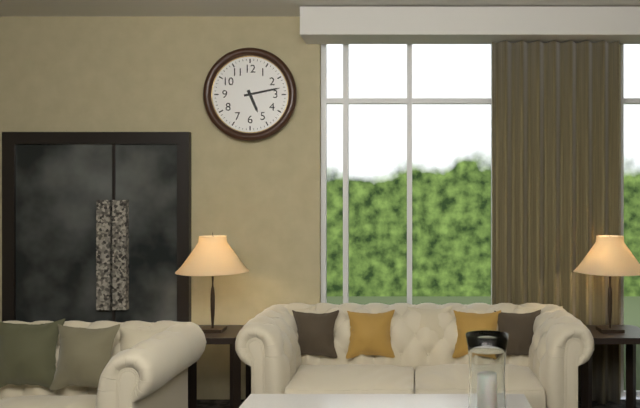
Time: **5:13**
